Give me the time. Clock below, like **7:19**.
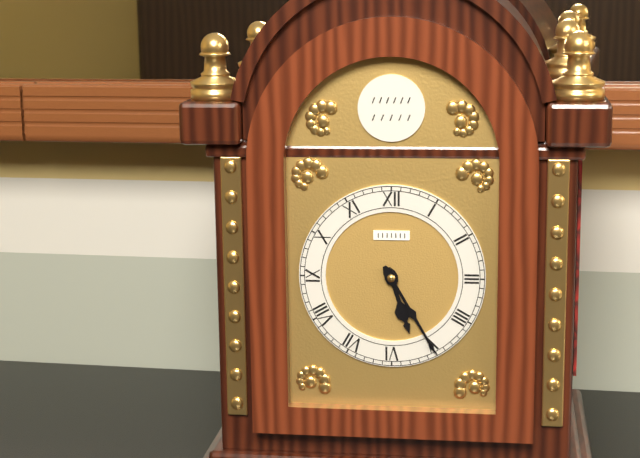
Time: **5:25**
